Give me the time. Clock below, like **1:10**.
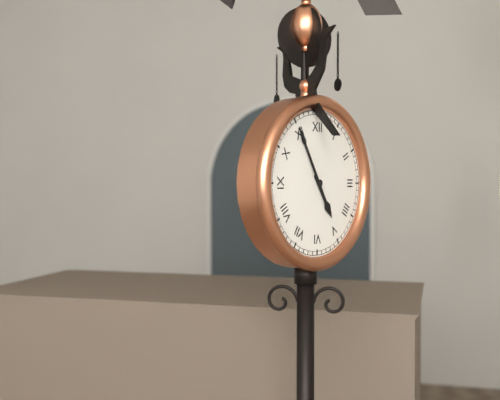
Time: **4:55**
